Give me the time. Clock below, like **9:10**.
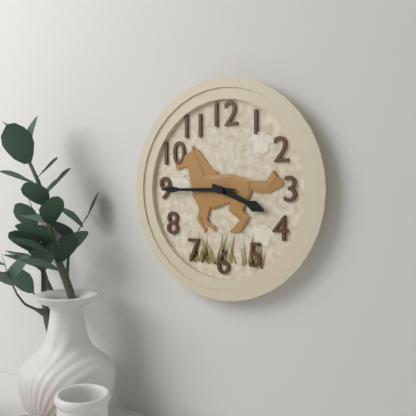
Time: **3:45**
